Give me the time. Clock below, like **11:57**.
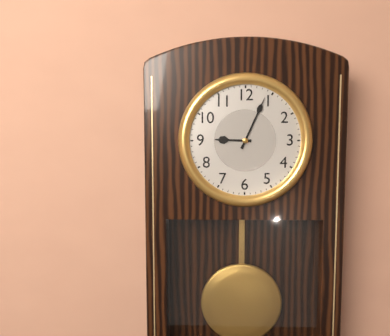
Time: **9:04**
